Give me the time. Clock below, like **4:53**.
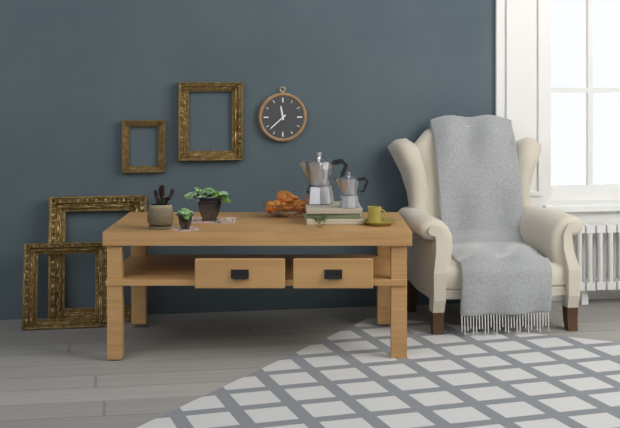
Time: **11:38**
